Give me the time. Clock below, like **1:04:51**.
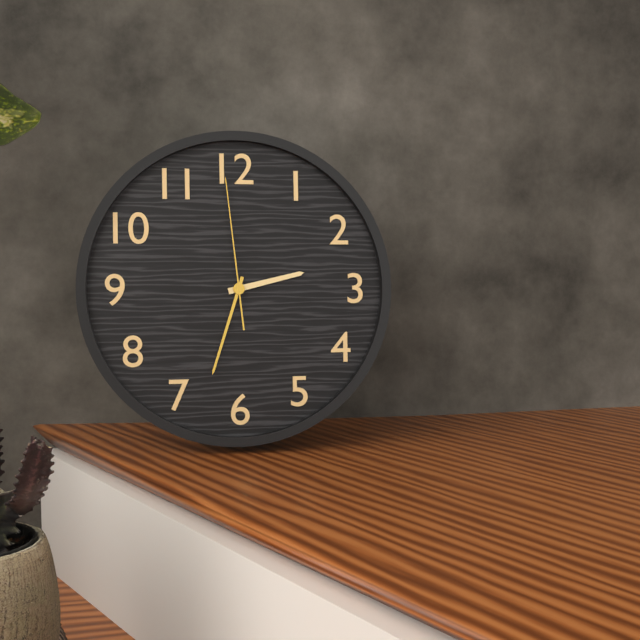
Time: **2:33:59**
